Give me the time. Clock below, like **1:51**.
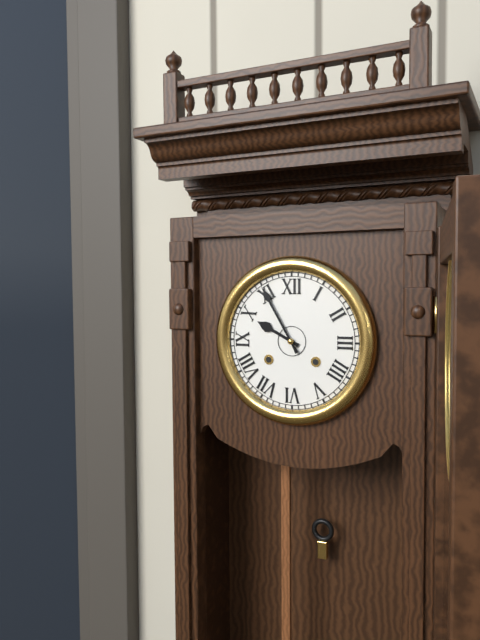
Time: **9:55**
